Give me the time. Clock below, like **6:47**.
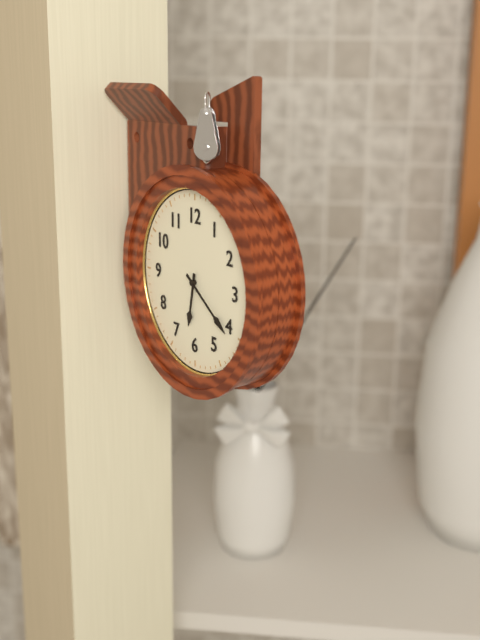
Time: **6:21**
